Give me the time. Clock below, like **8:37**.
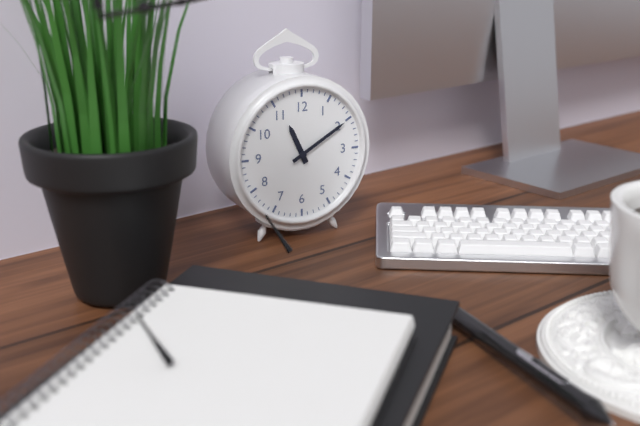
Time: **11:10**
